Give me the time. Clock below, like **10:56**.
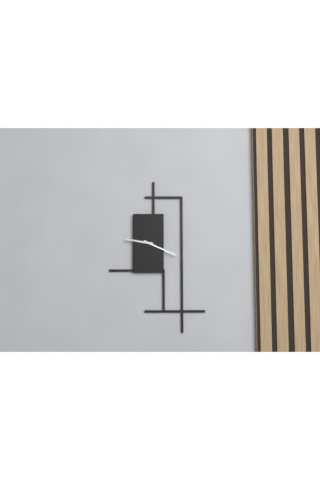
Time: **9:19**
